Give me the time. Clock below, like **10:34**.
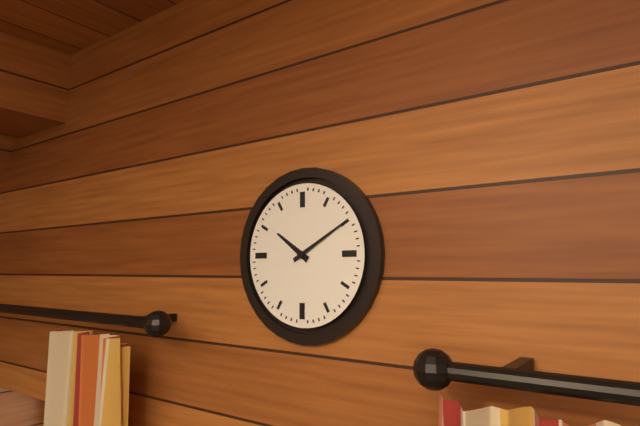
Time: **10:10**
